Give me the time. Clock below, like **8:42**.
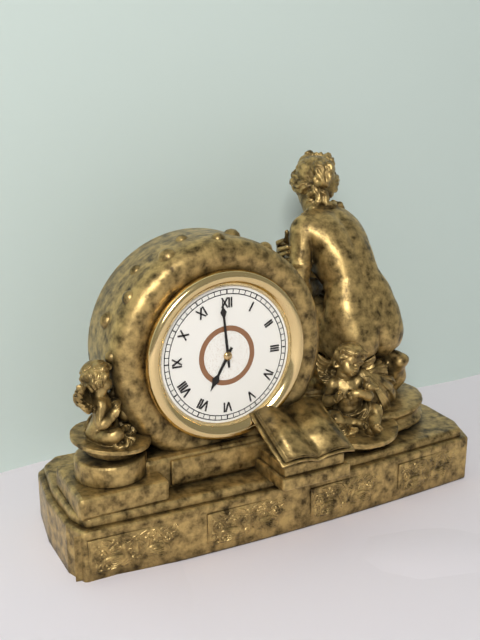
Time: **6:59**
